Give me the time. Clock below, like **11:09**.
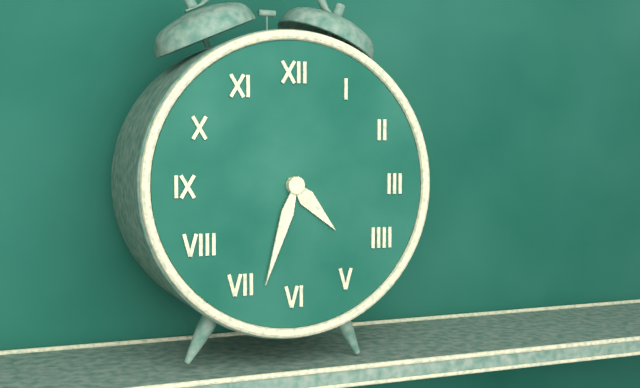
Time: **4:33**
